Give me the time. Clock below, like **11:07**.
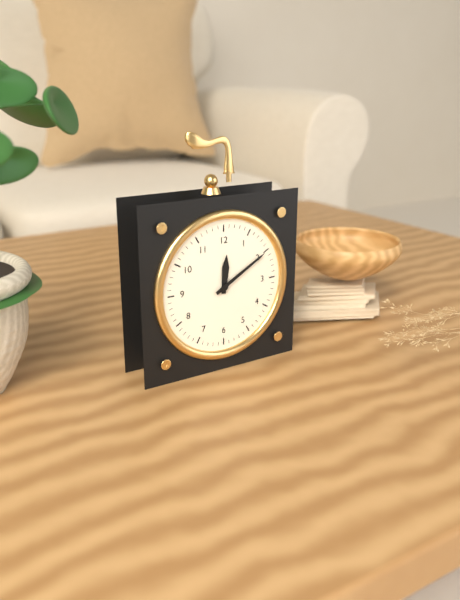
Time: **12:10**
